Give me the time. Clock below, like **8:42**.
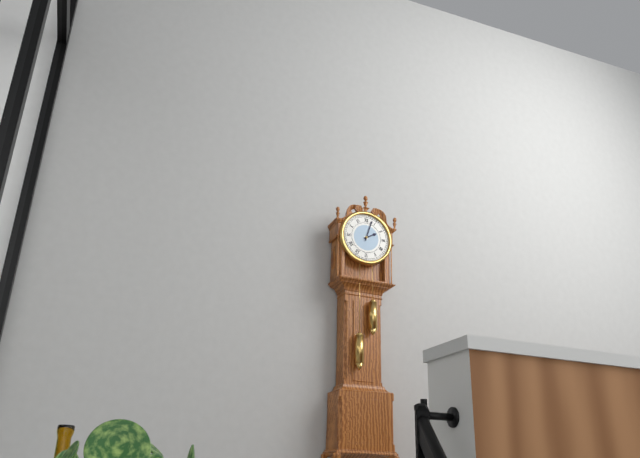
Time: **2:03**
